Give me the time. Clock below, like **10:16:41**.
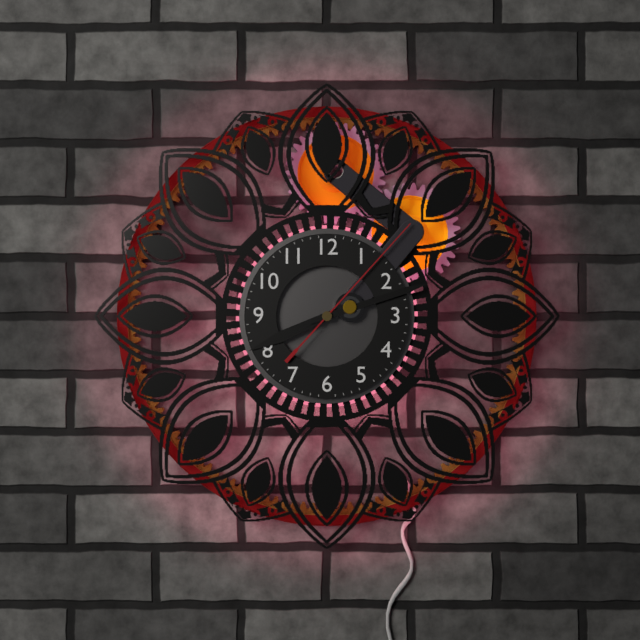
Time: **8:12:07**
